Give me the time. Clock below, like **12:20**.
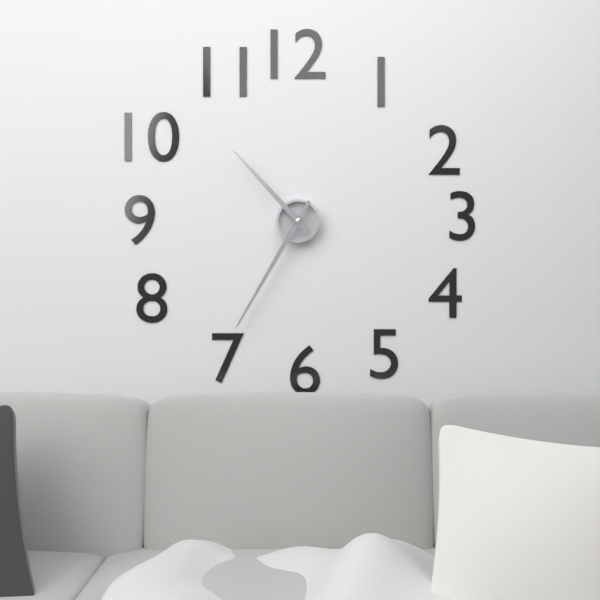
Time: **10:35**
